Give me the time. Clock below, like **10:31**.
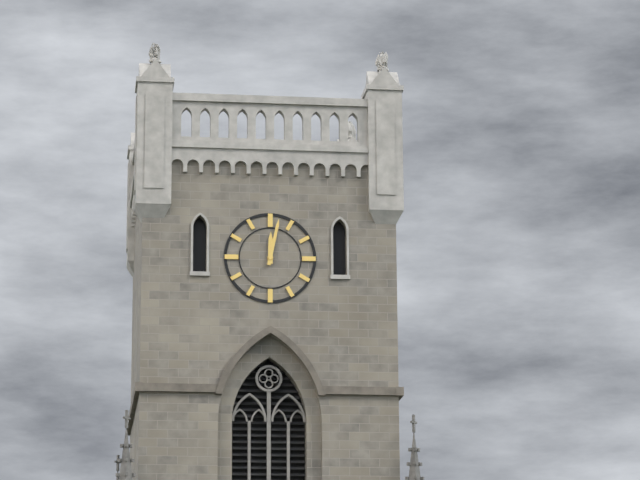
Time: **12:02**
